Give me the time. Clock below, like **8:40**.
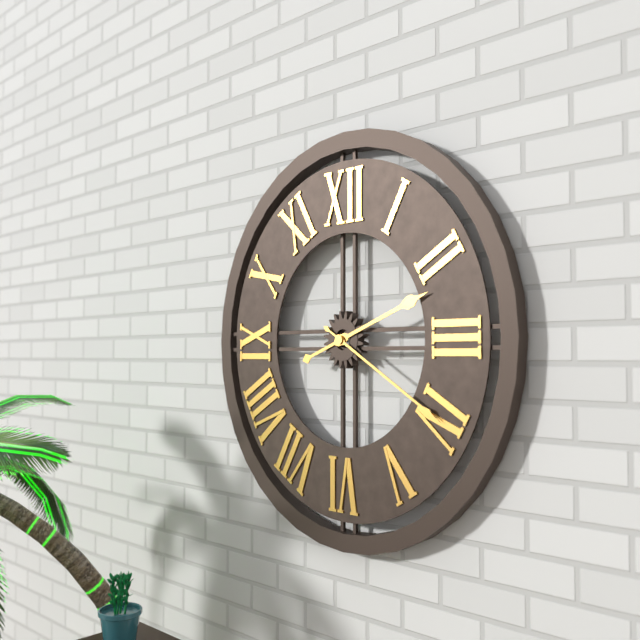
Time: **2:20**
